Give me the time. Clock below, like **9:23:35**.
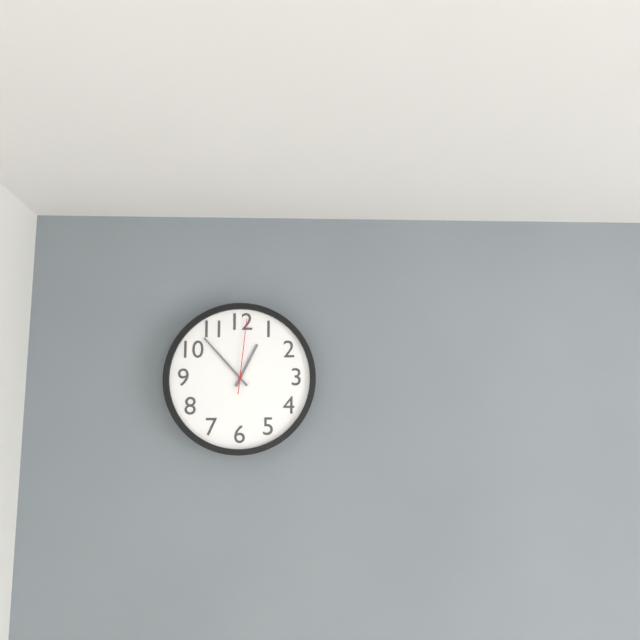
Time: **12:53:01**
